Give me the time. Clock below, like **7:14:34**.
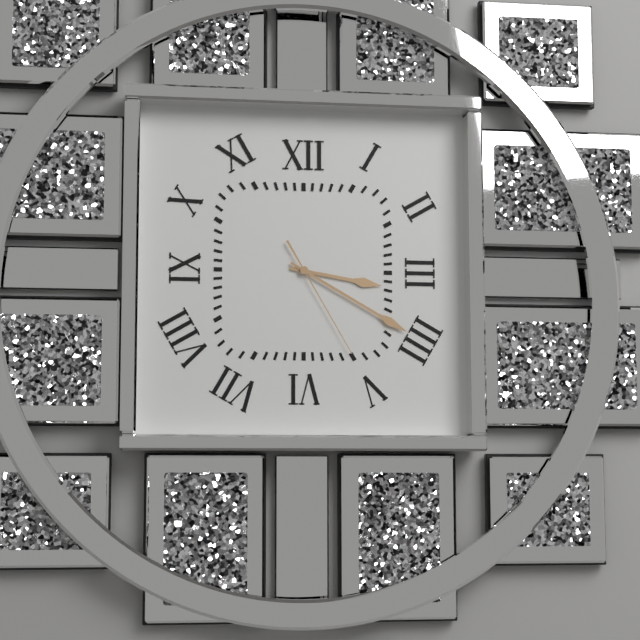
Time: **3:20:25**
